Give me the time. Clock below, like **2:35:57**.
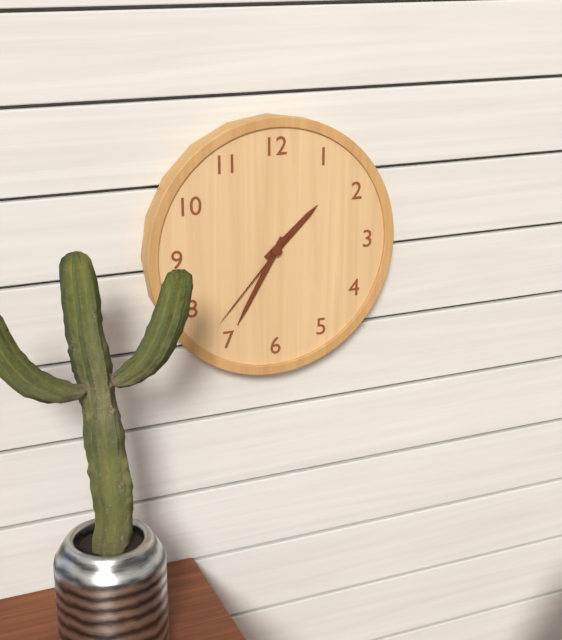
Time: **1:35:37**
